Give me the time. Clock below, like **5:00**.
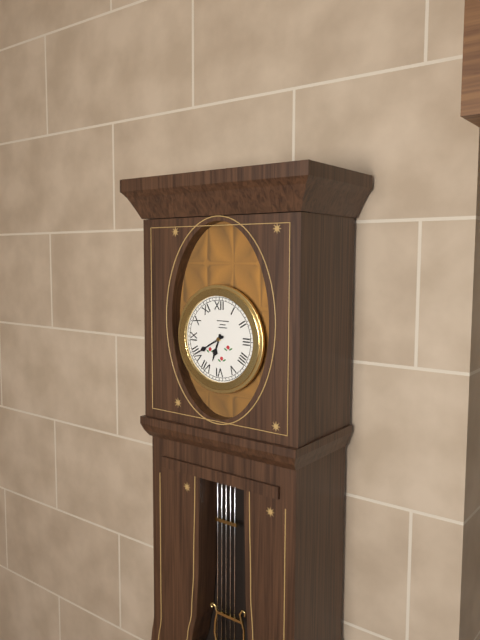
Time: **6:40**
